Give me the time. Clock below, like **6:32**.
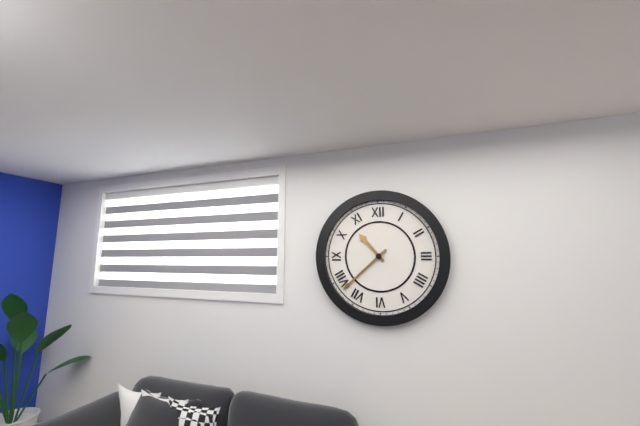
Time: **10:38**
